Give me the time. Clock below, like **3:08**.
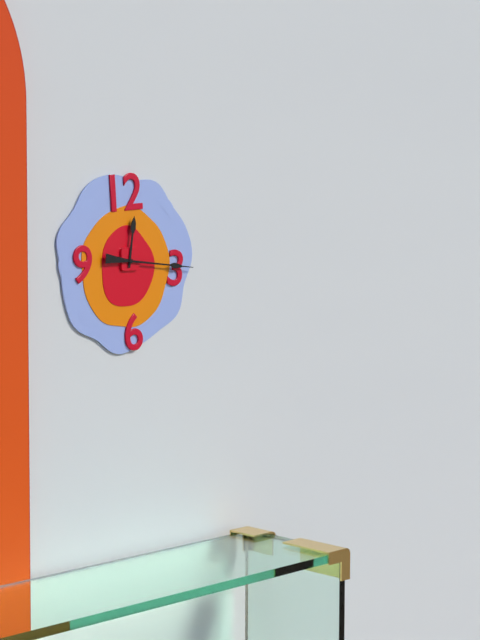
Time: **12:16**
